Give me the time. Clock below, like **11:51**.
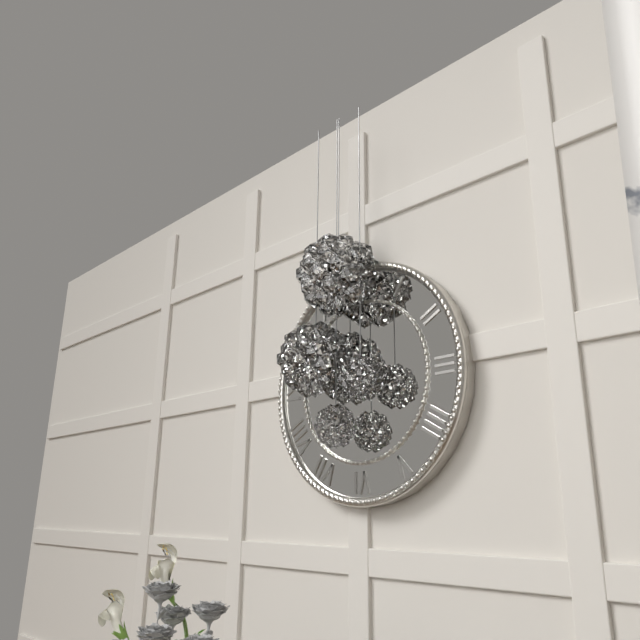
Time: **8:51**
